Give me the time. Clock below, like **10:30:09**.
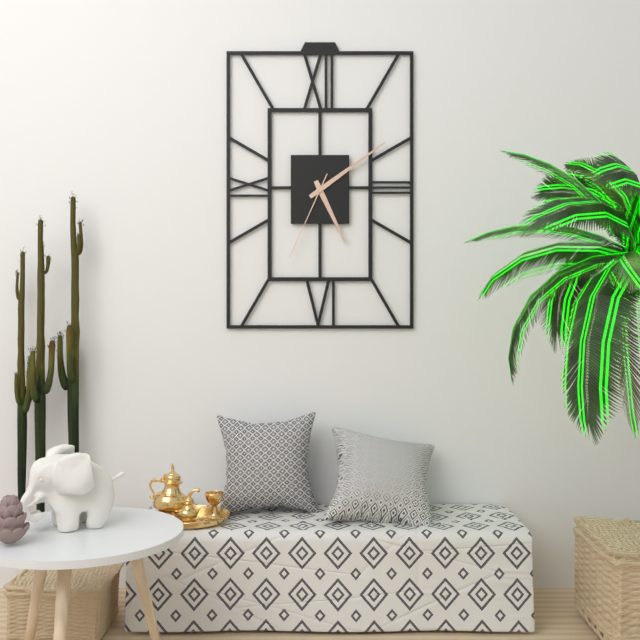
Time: **5:09:34**
